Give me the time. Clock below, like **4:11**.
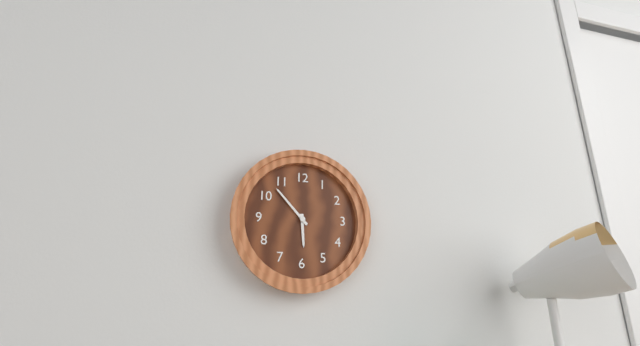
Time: **5:53**
